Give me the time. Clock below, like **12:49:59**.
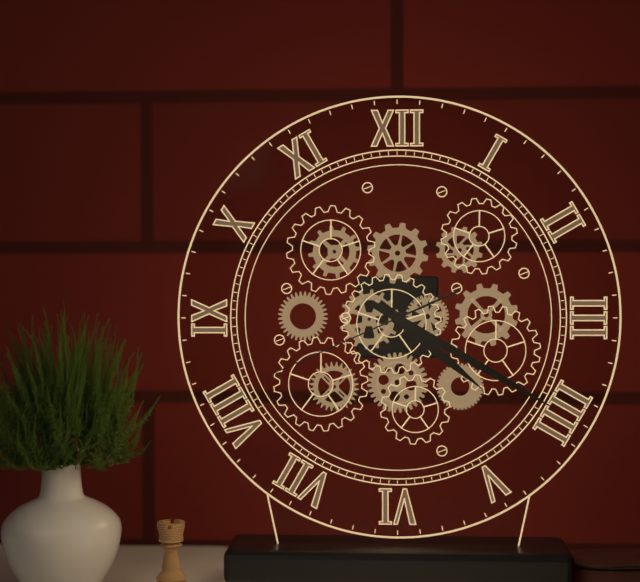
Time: **4:20:41**
